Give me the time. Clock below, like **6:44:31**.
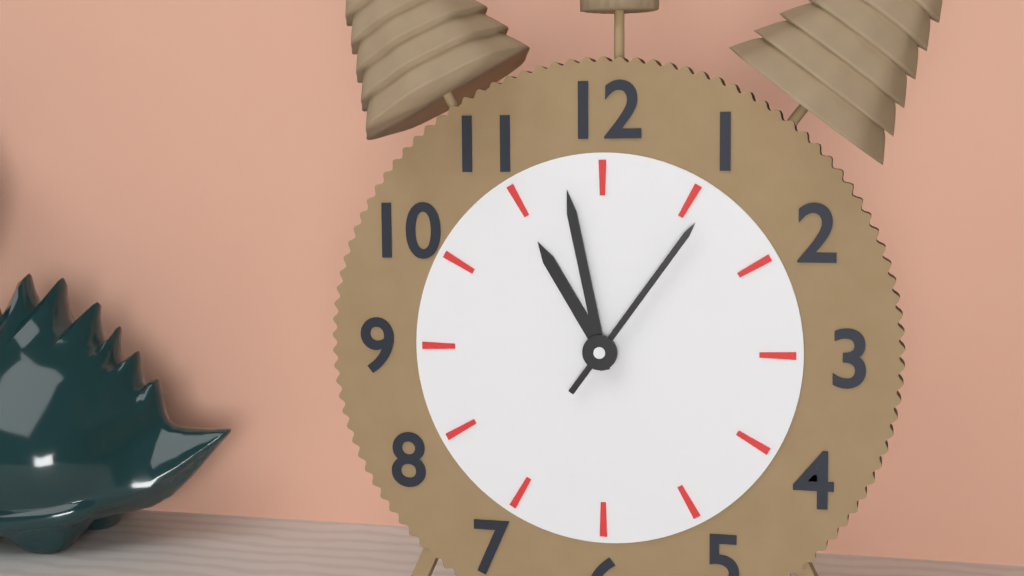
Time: **10:58:06**
